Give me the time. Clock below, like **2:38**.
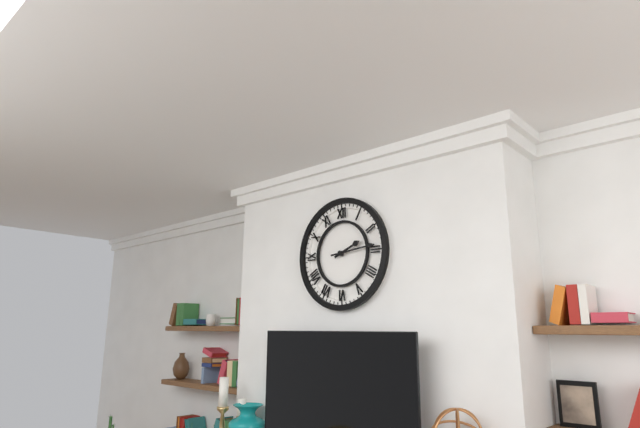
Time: **2:14**
